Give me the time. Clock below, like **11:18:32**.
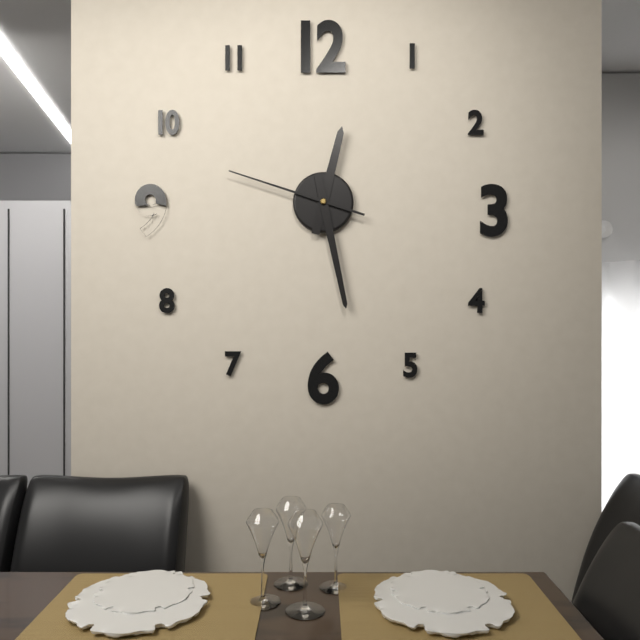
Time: **12:28:48**
